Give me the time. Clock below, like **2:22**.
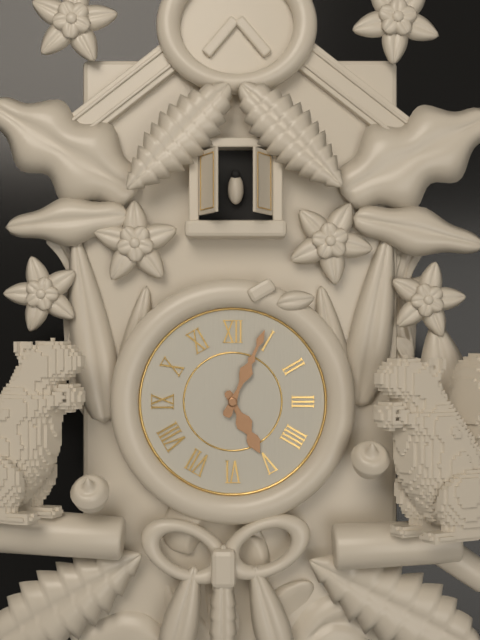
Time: **5:04**
